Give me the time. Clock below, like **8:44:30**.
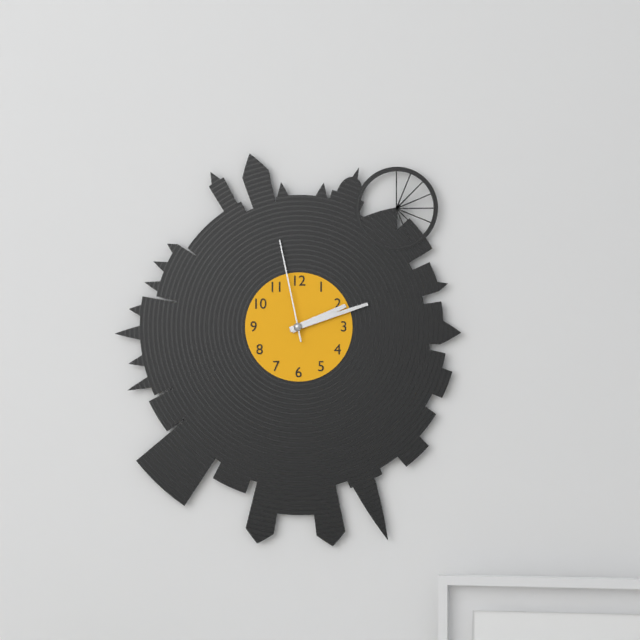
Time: **2:12:58**
